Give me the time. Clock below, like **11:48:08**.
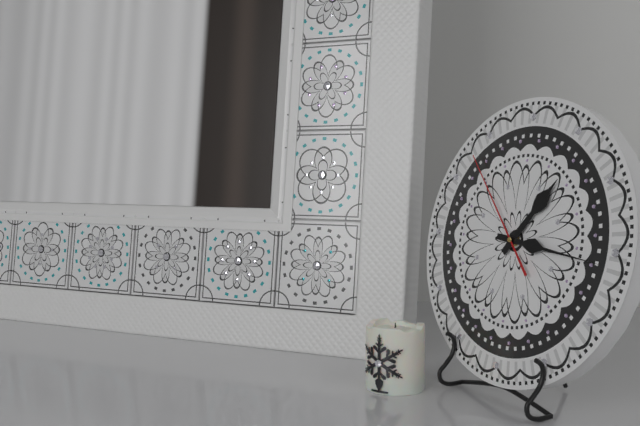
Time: **1:16:53**
